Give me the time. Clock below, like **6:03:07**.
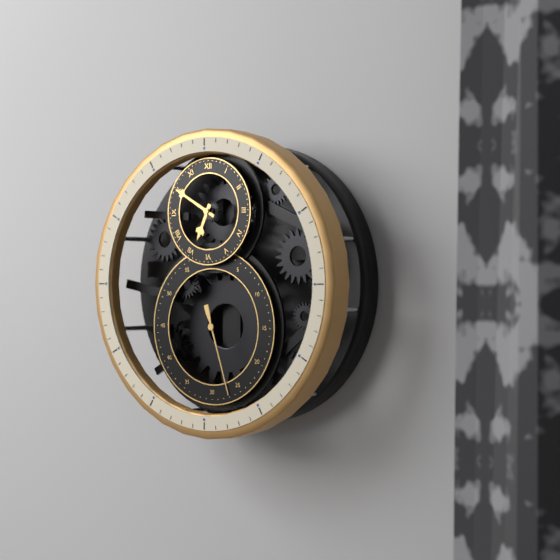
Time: **6:50:27**
